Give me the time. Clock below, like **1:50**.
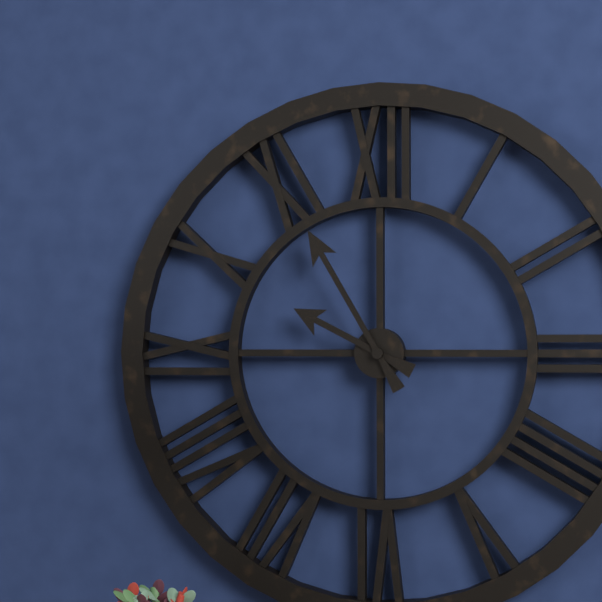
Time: **9:55**
